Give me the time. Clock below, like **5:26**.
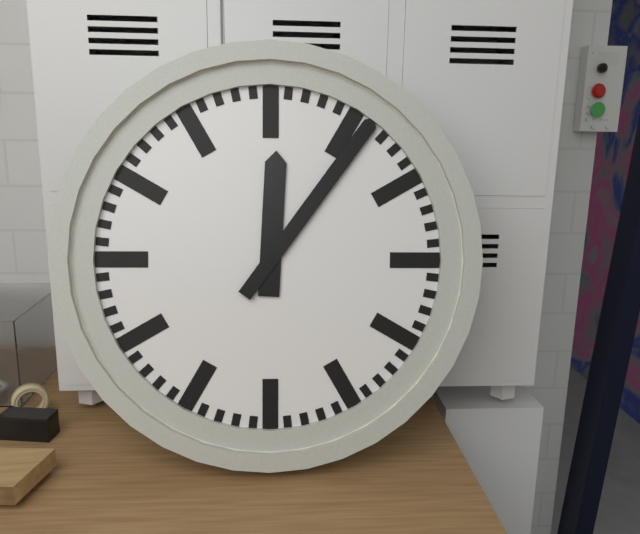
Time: **12:06**
